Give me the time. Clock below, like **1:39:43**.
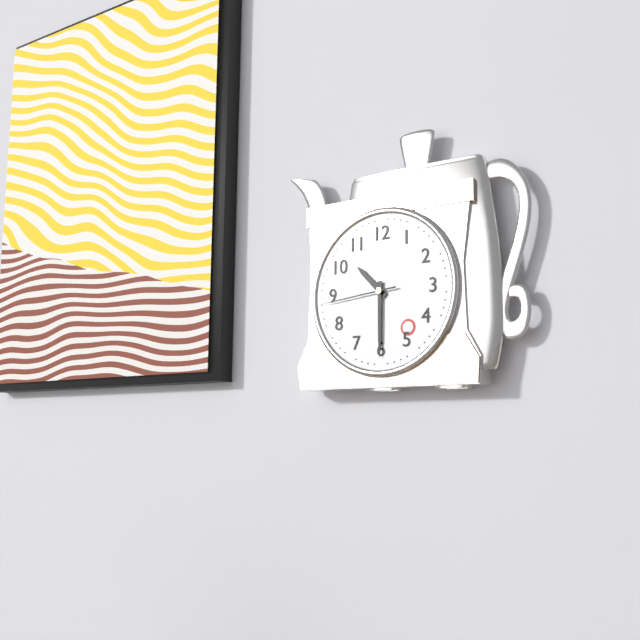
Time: **10:30:44**
